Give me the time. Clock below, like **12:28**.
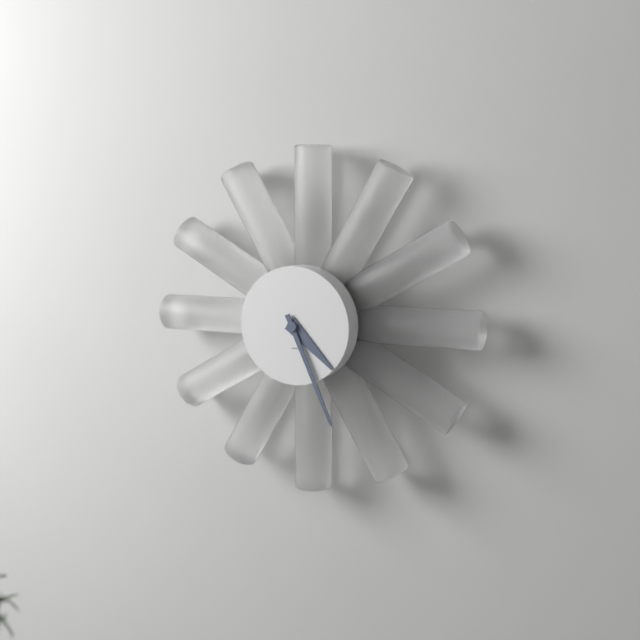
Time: **4:26**
